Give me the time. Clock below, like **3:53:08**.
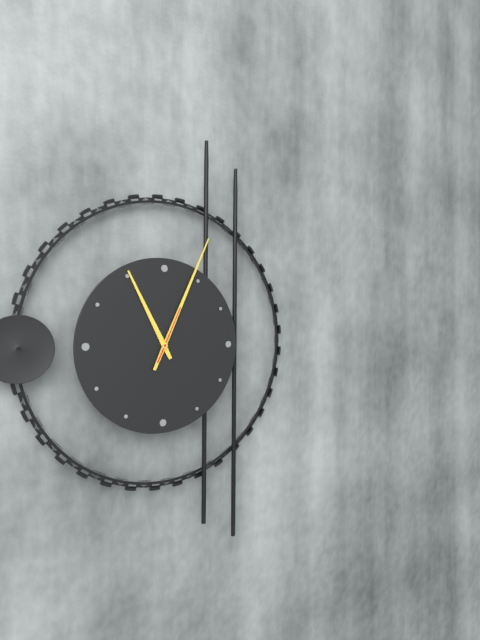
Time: **11:04:04**
